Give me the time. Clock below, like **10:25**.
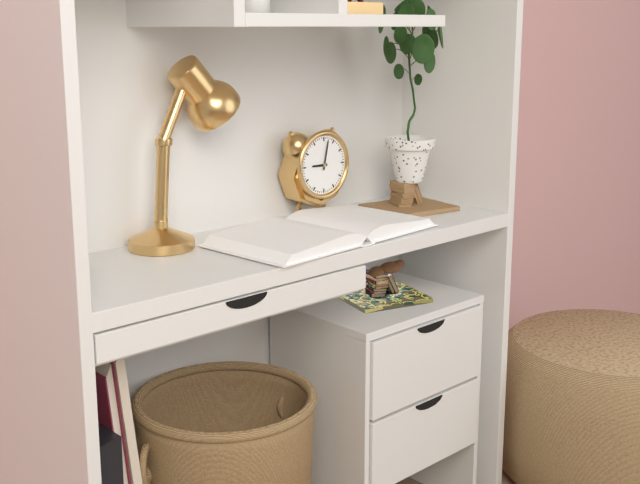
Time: **9:02**
